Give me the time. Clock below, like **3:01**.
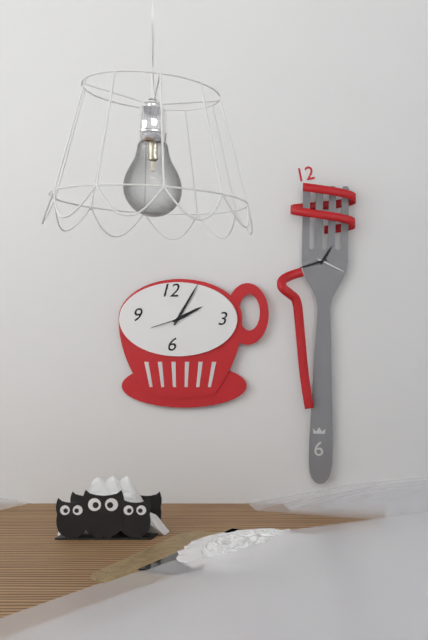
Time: **2:05**
